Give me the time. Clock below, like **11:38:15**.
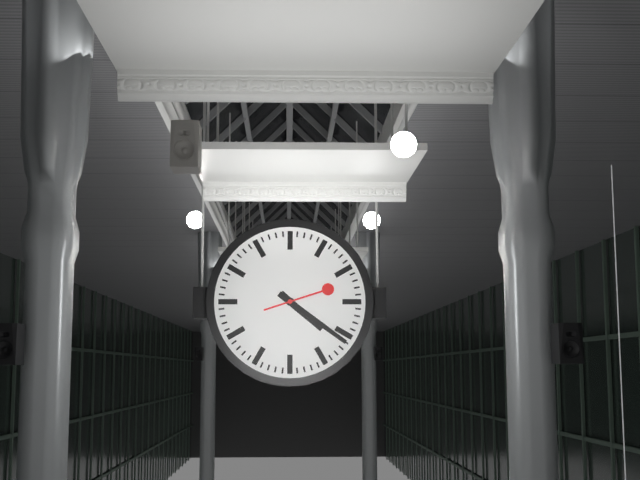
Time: **4:21:12**
